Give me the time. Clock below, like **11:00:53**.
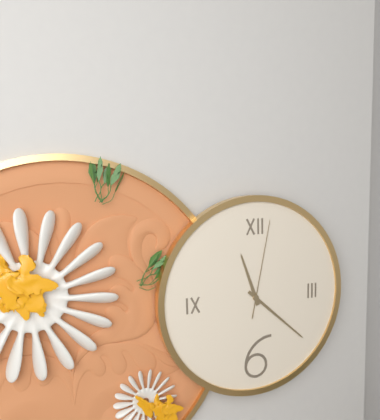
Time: **11:22:02**
